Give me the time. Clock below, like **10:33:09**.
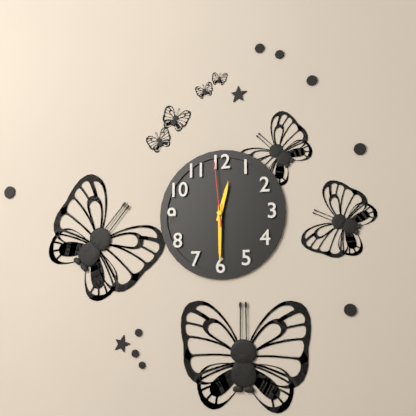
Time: **12:30:59**
